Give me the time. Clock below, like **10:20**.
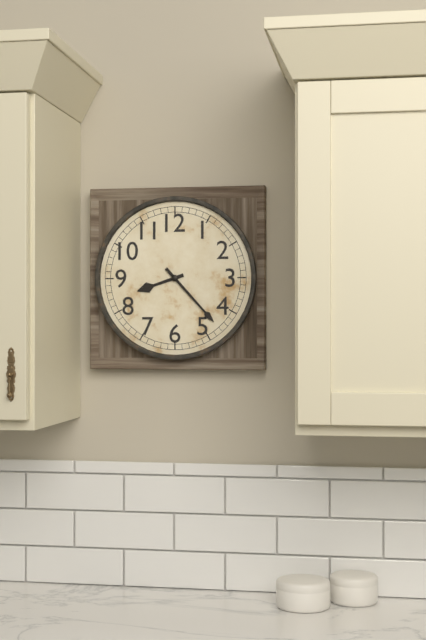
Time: **8:23**
